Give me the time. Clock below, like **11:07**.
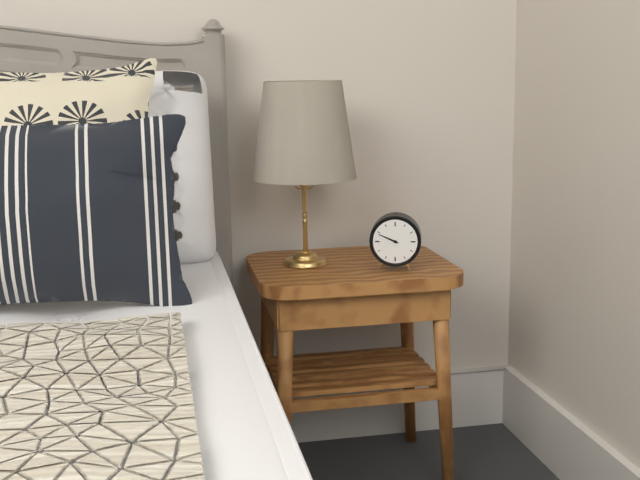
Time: **9:49**
